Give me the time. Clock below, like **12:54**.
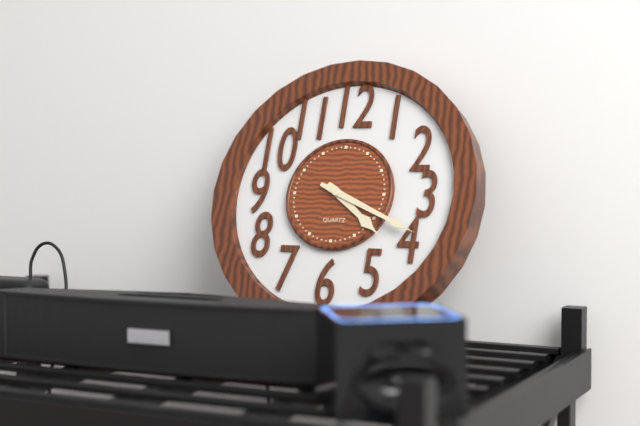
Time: **4:19**
